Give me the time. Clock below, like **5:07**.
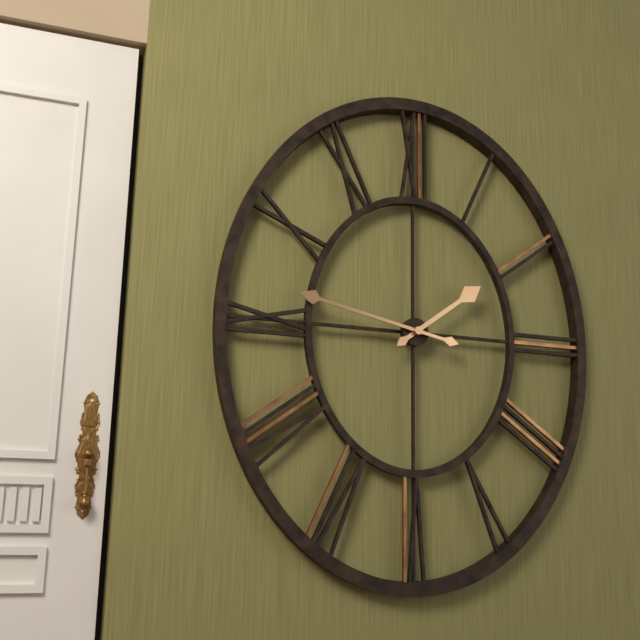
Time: **1:47**
